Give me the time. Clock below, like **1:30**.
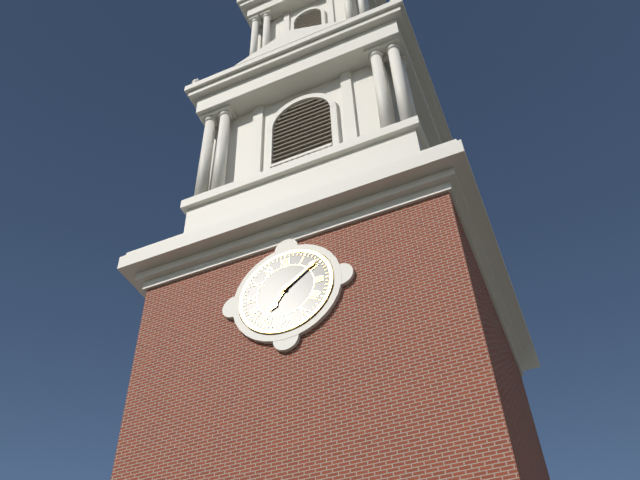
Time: **7:09**
